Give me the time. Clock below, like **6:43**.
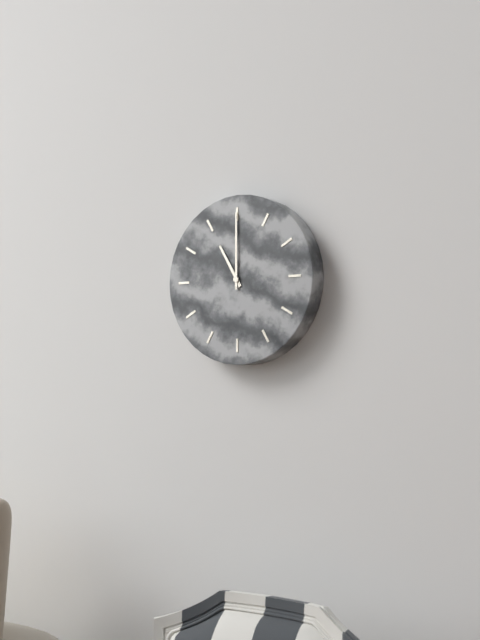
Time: **11:00**
